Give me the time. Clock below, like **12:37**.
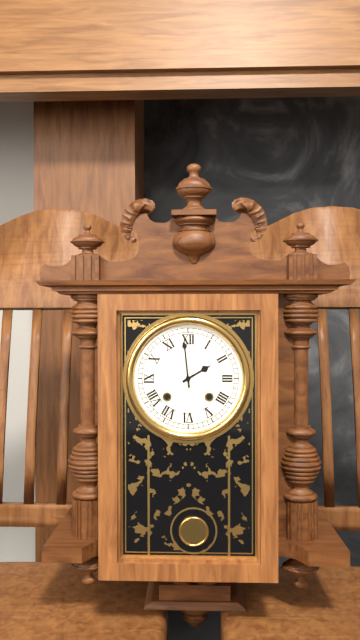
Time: **1:59**
